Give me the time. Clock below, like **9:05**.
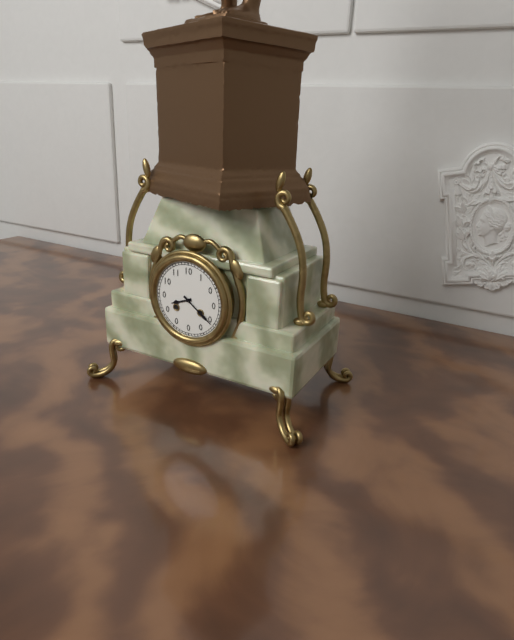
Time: **8:21**
